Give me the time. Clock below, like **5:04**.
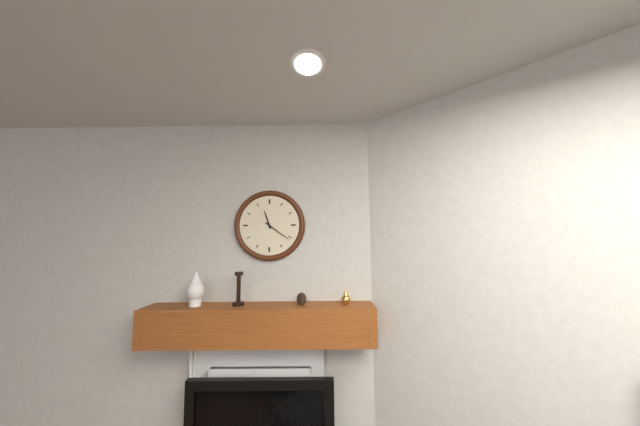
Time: **11:21**
